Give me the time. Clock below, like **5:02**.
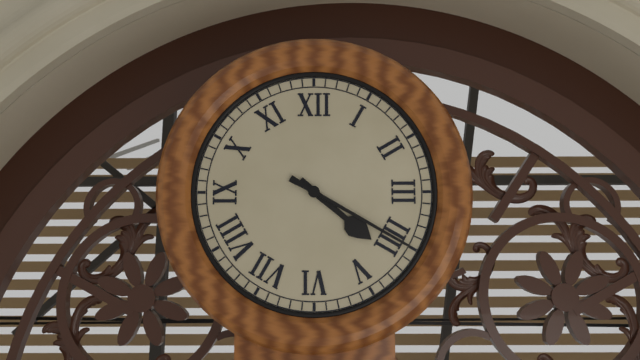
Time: **4:20**
